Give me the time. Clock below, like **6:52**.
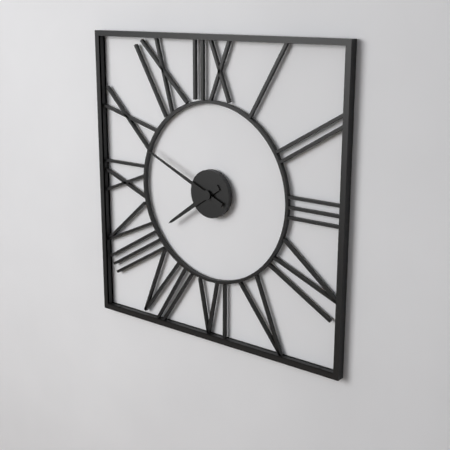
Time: **7:49**
